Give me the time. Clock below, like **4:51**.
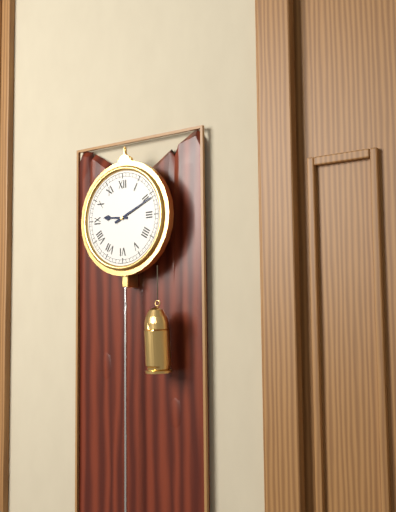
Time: **9:11**
